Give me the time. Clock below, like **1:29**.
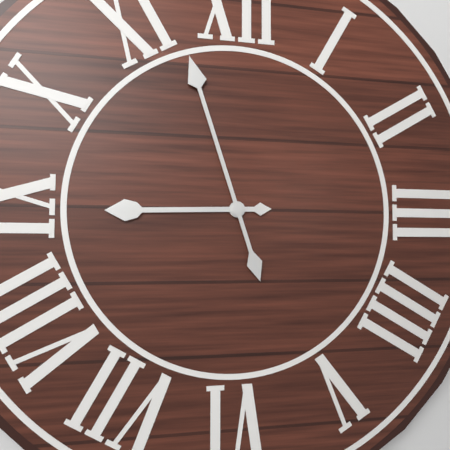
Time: **8:57**
